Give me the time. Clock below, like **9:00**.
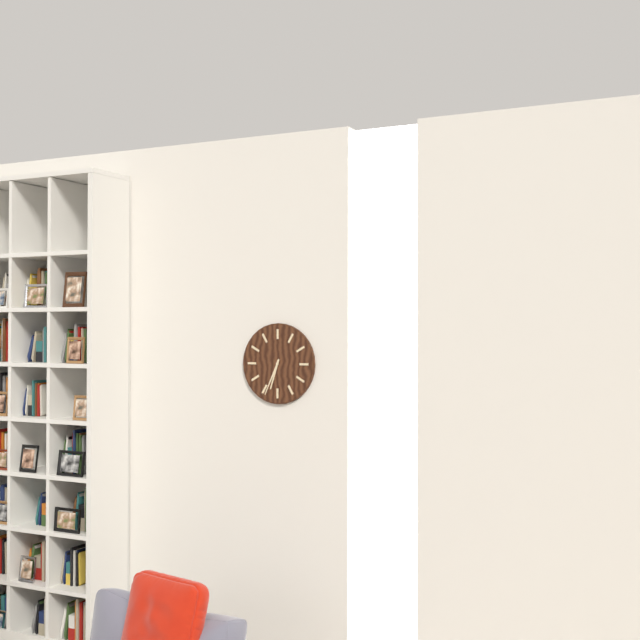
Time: **6:34**
